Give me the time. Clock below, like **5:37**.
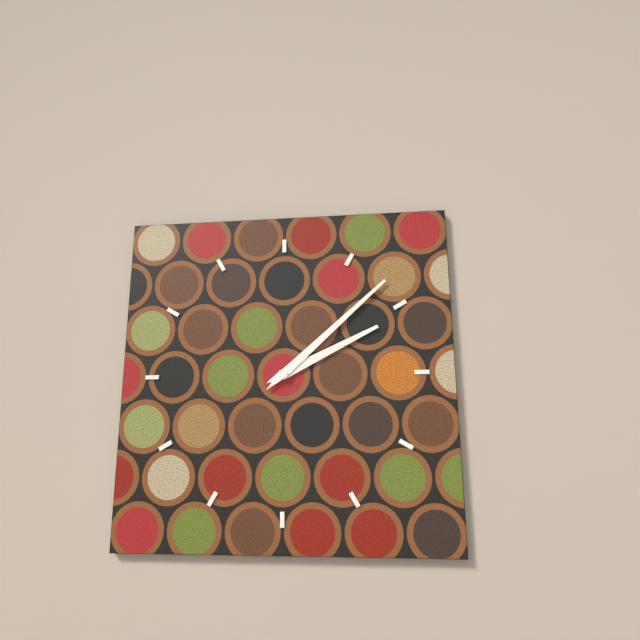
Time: **2:08**
